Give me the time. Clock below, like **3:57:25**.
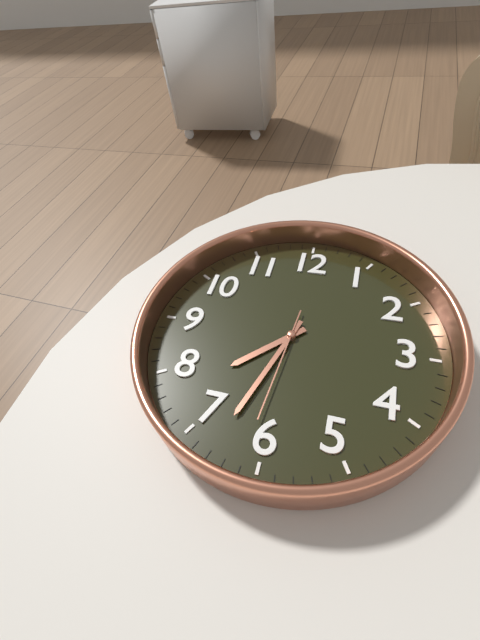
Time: **7:33:31**
